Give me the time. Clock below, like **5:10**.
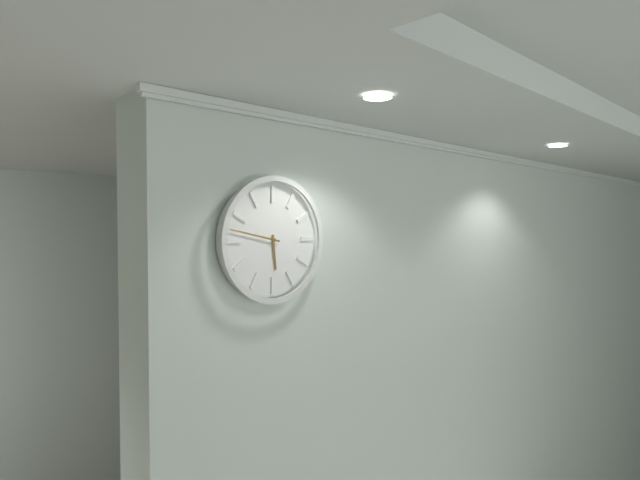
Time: **5:47**
